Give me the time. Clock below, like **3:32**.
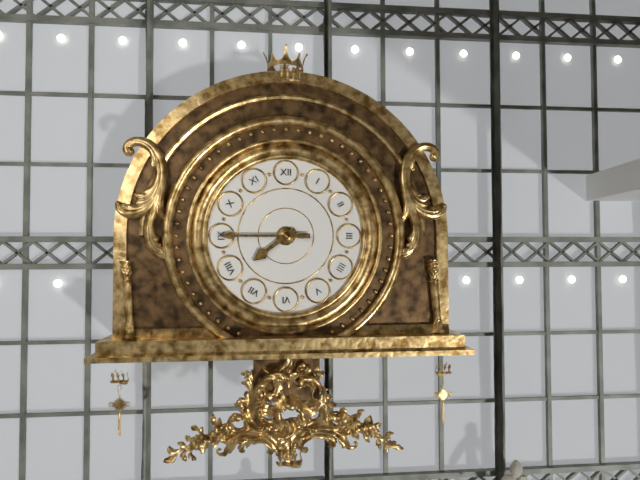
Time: **7:45**
